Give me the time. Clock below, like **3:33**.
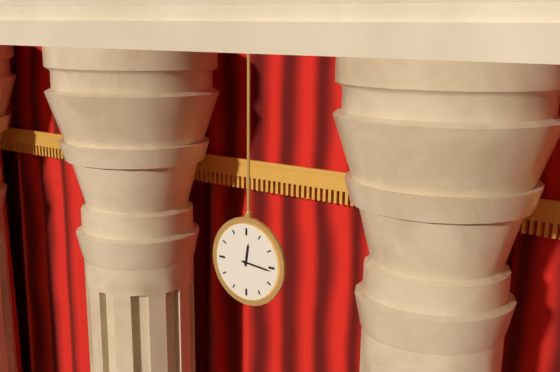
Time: **12:16**
